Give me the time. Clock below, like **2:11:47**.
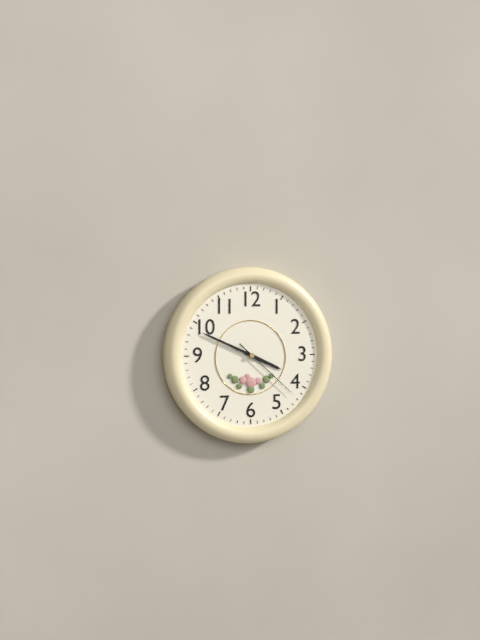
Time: **3:49:22**
